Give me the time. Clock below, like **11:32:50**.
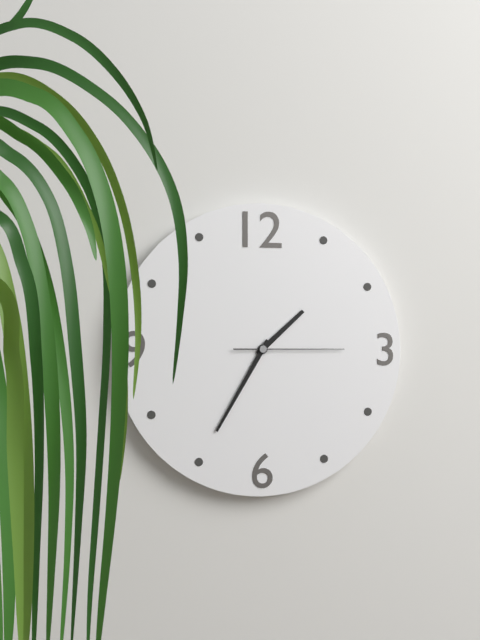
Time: **1:35:15**
